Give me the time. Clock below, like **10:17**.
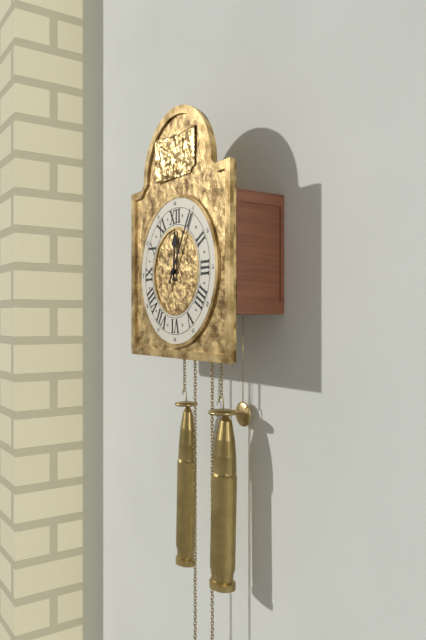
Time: **12:05**
